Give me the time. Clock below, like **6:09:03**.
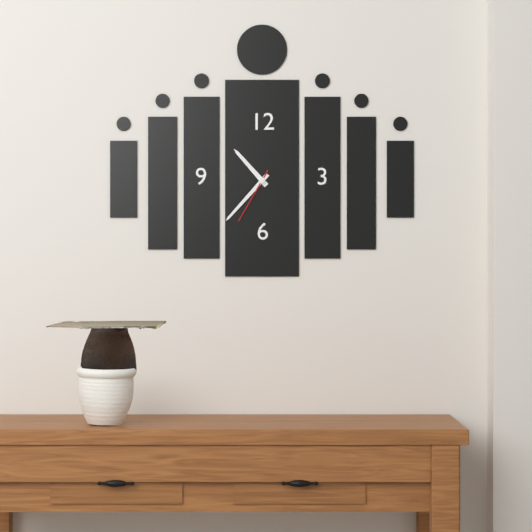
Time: **10:37:35**
